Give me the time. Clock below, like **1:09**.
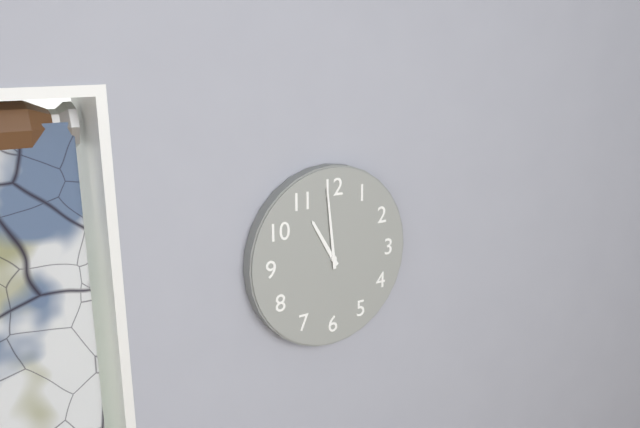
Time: **10:59**
